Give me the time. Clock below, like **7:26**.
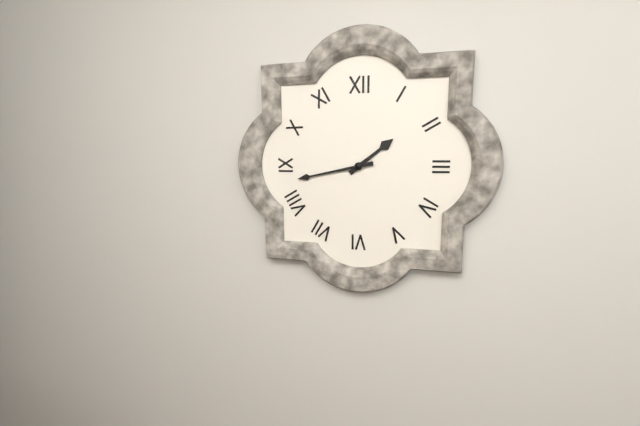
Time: **1:43**
